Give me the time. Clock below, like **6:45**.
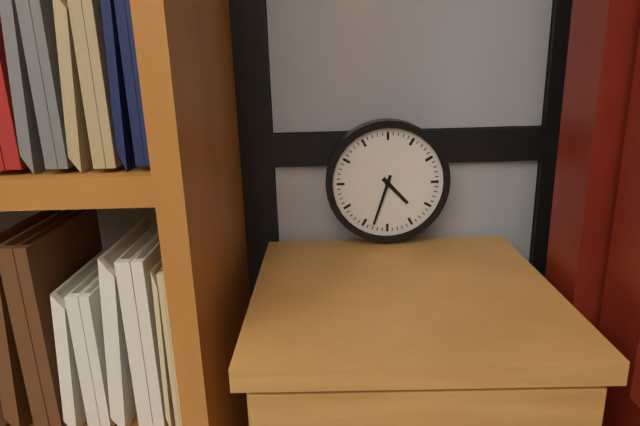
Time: **4:33**
